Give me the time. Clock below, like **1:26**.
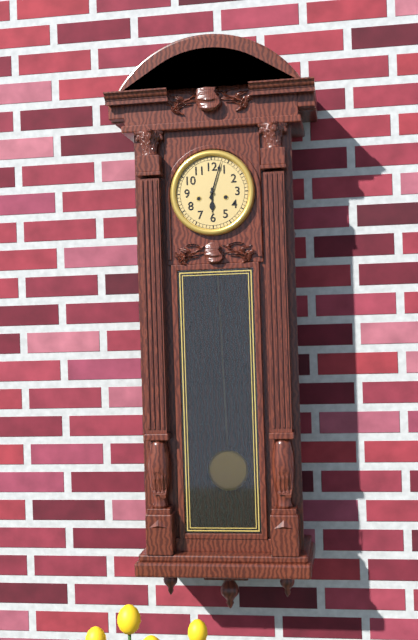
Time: **6:03**
